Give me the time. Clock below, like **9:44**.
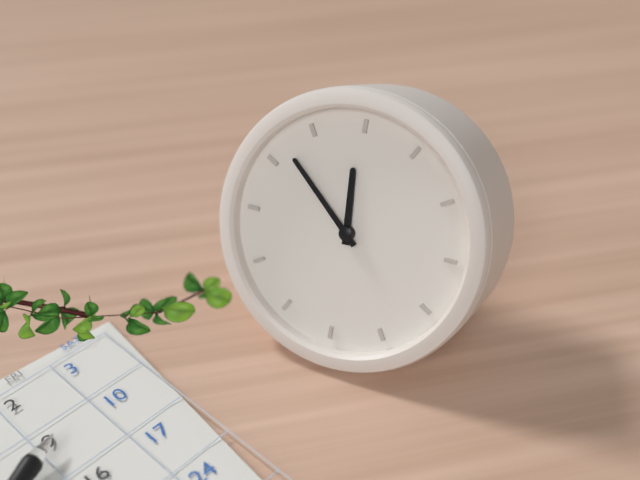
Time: **11:52**
